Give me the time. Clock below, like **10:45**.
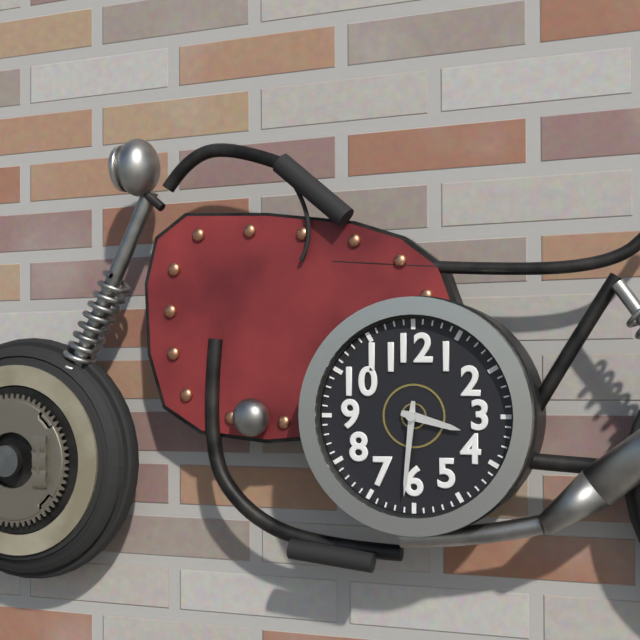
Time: **3:31**
